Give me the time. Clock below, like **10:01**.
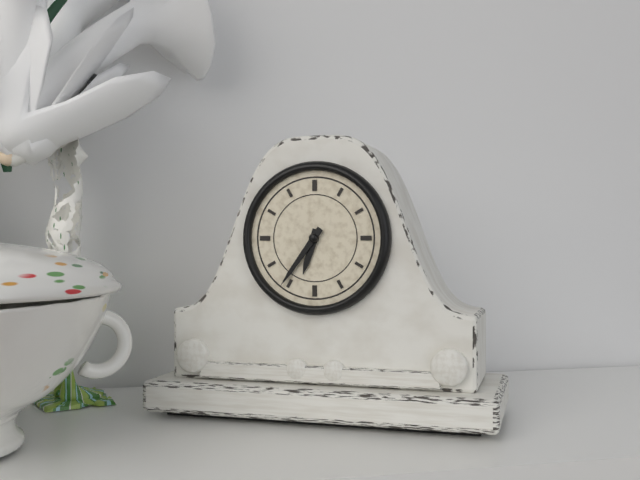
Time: **6:36**
